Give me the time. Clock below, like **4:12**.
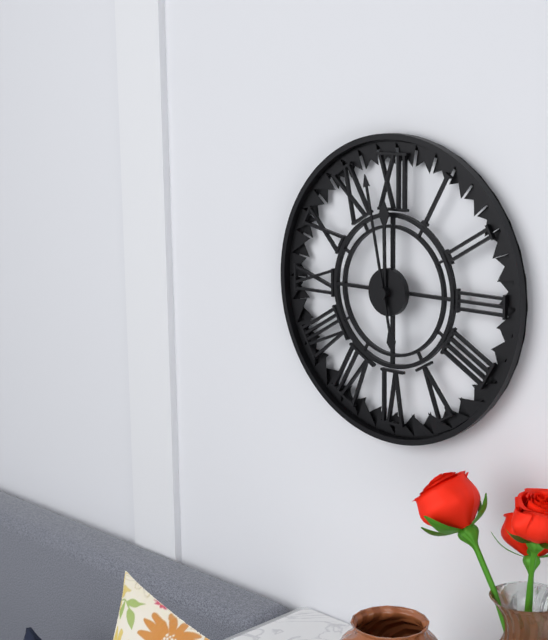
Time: **11:58**
